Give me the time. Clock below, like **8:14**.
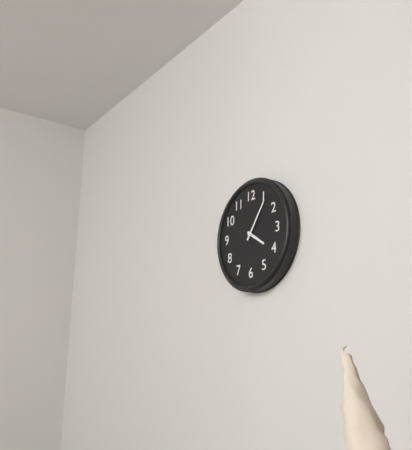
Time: **4:06**
